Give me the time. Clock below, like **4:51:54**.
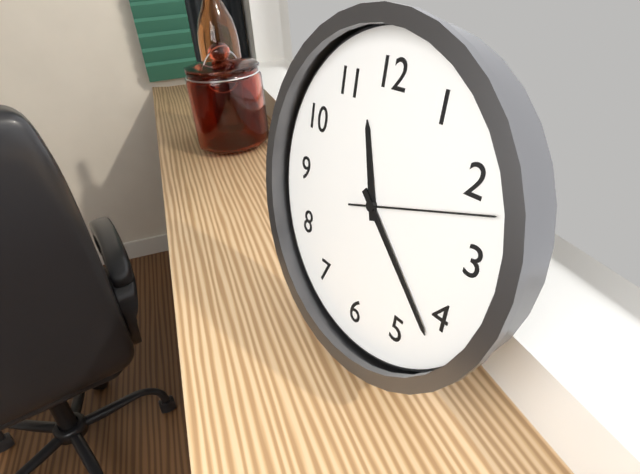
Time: **11:22:12**
